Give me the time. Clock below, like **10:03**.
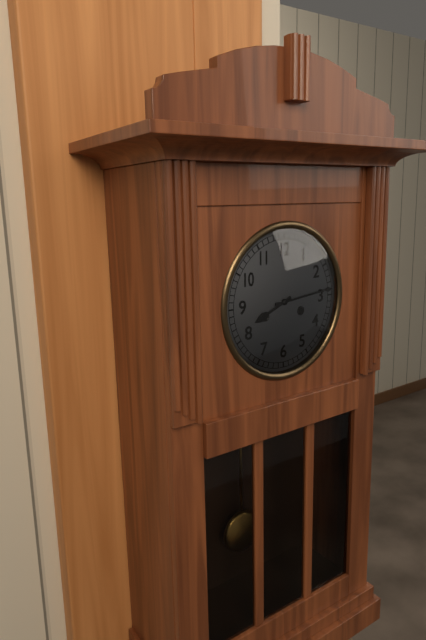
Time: **8:14**
